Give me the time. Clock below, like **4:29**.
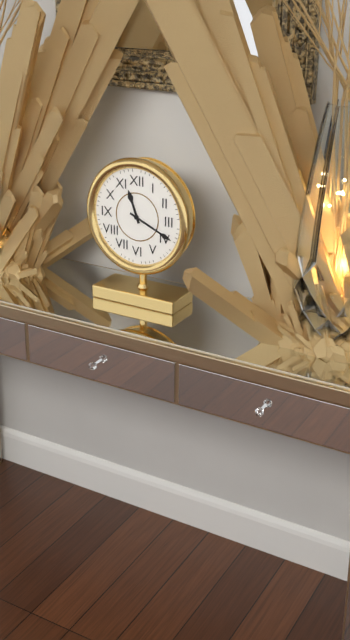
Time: **11:19**
